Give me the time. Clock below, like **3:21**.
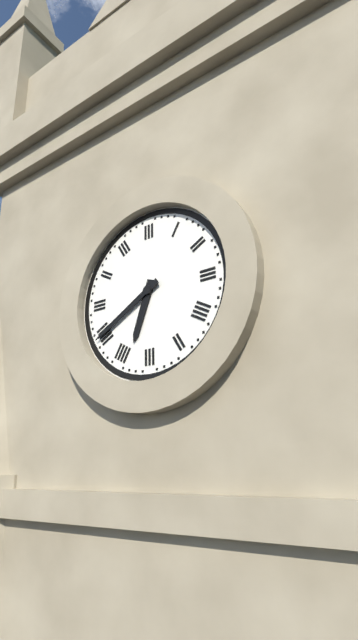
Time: **6:40**
